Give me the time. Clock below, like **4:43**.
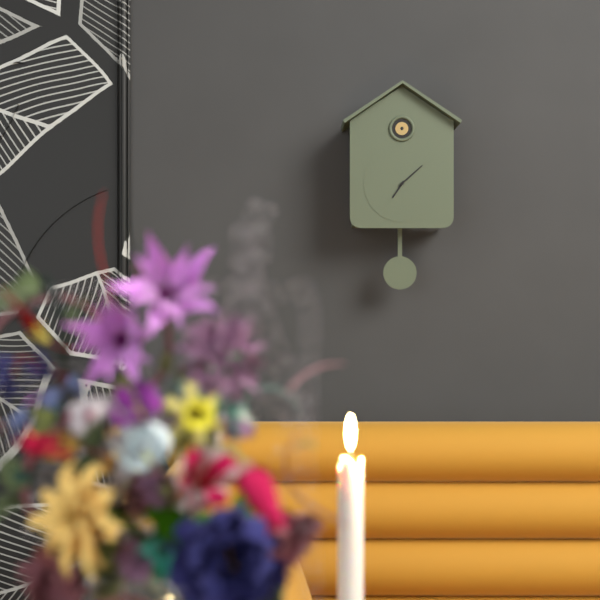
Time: **7:08**
